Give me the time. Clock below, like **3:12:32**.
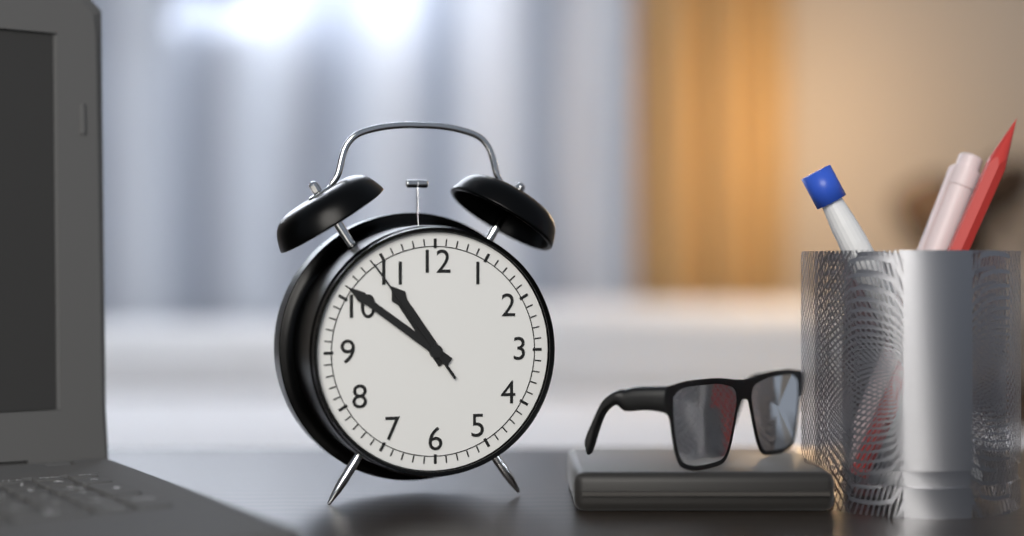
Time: **10:51:54**
